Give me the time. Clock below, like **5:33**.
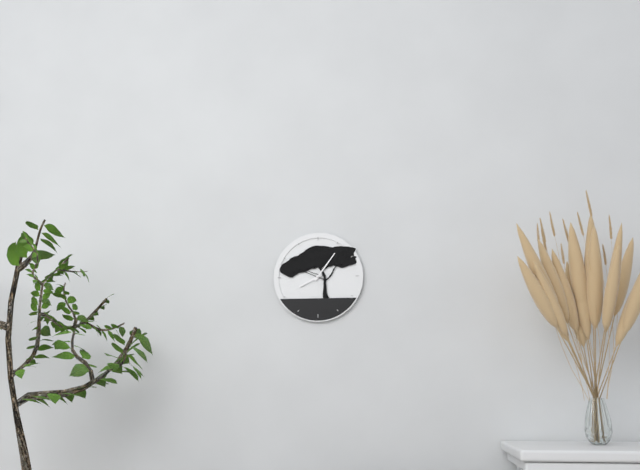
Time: **8:06**
